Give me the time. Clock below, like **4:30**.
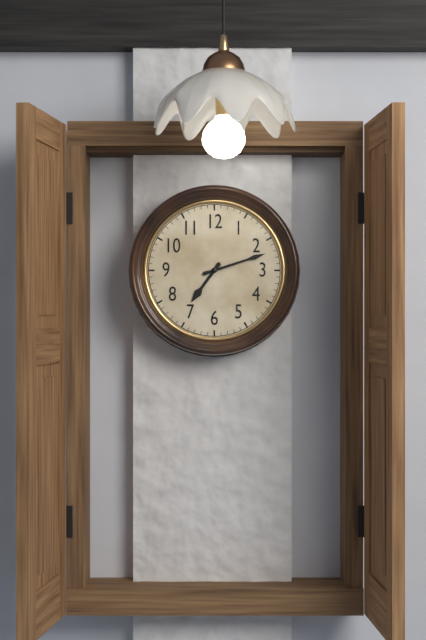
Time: **7:12**
